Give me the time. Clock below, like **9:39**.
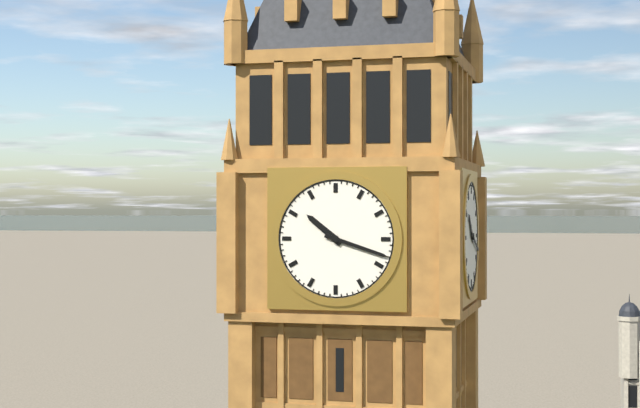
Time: **10:18**
